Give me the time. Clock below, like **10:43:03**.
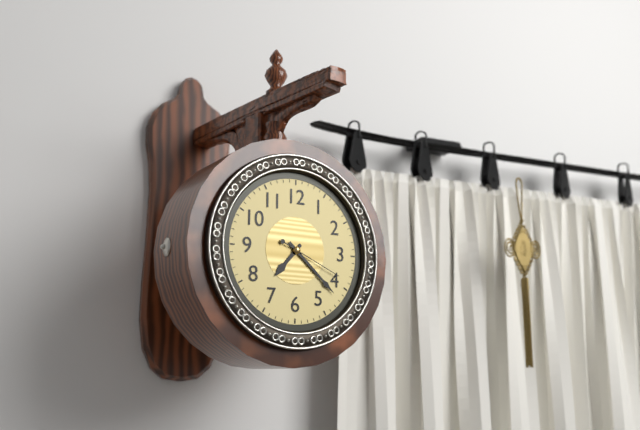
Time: **7:22:19**
